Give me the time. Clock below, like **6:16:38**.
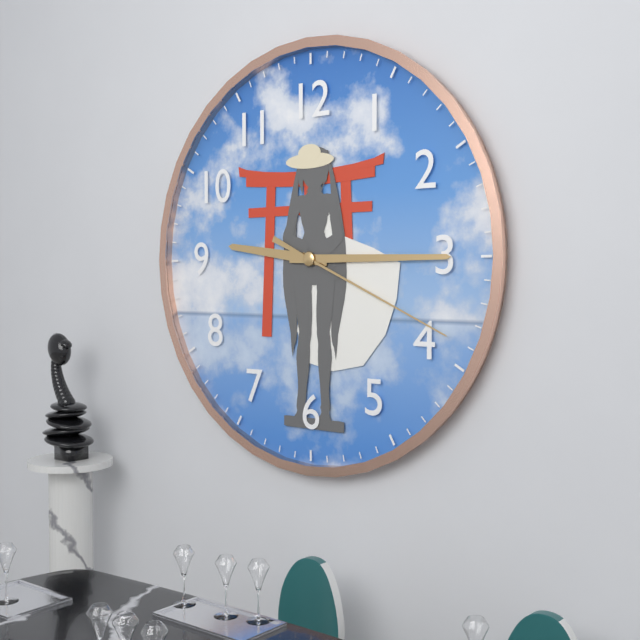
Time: **9:15:19**
